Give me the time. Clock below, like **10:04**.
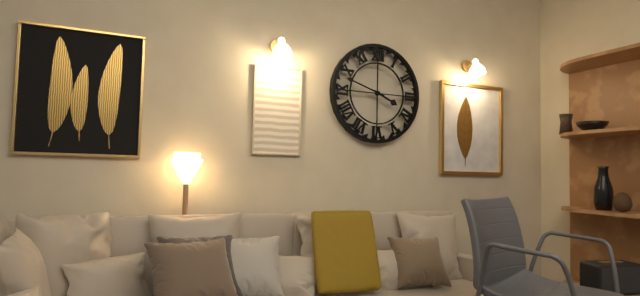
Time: **3:48**
